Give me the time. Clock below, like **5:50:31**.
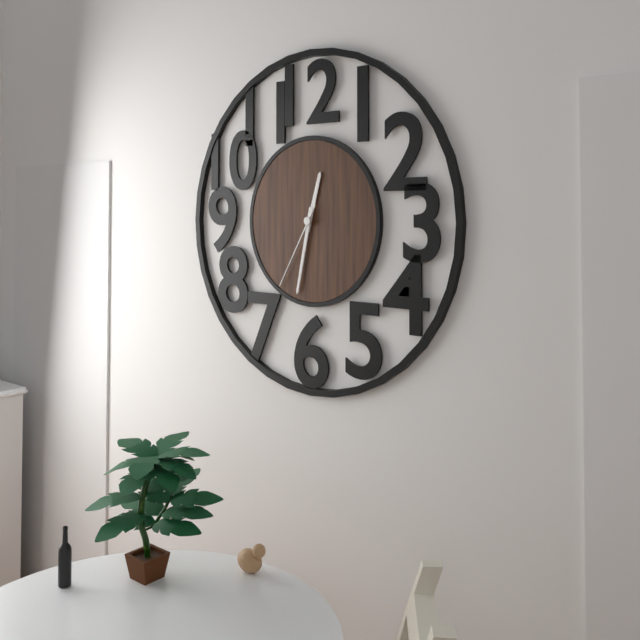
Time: **12:32:35**
